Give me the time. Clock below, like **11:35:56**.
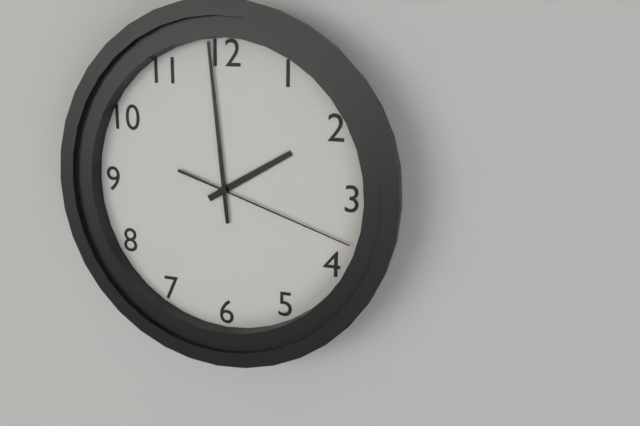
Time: **1:59:18**
